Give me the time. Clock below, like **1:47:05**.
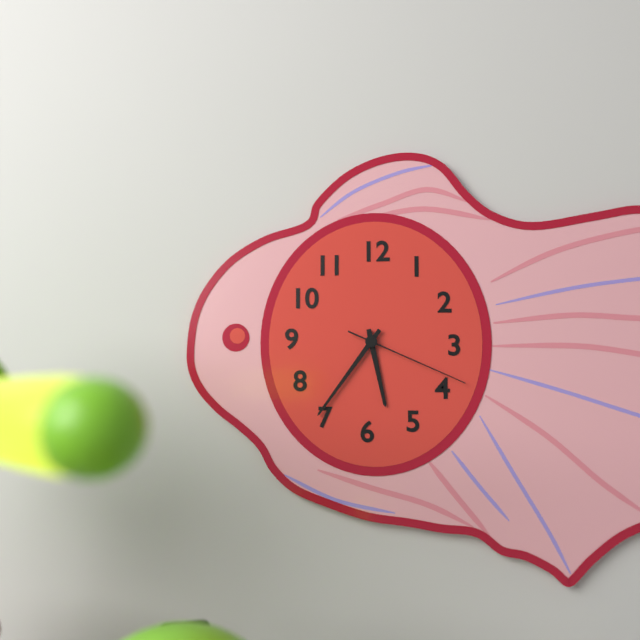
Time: **5:36:19**
